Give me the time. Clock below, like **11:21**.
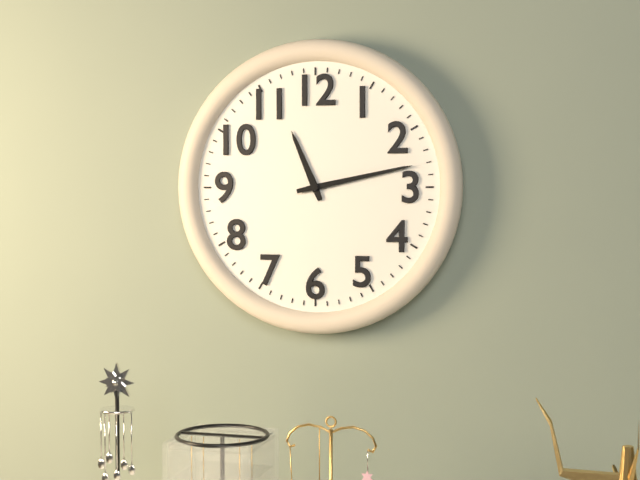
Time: **11:13**
